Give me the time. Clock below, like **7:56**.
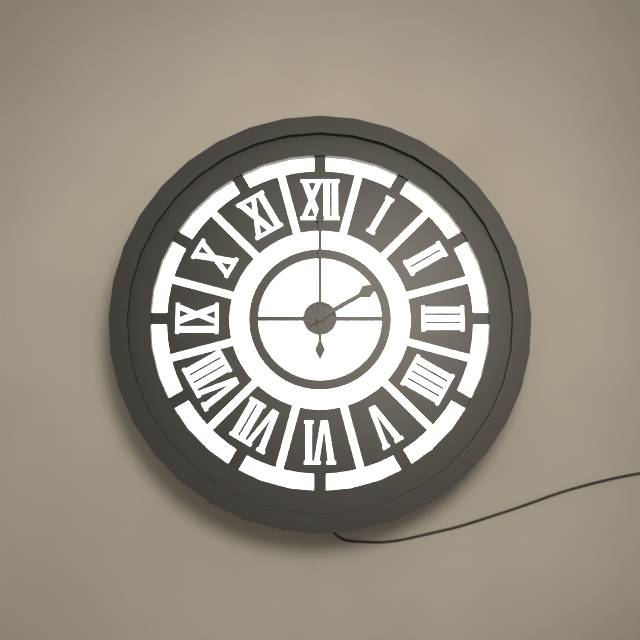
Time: **2:00**
